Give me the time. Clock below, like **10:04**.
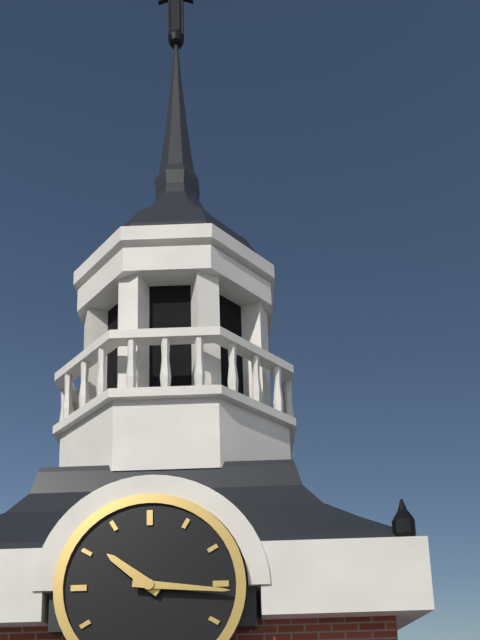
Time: **10:16**
